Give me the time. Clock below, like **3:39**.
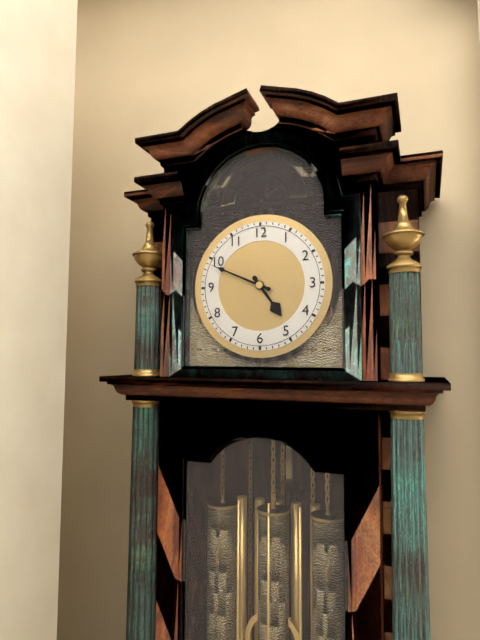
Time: **4:49**
